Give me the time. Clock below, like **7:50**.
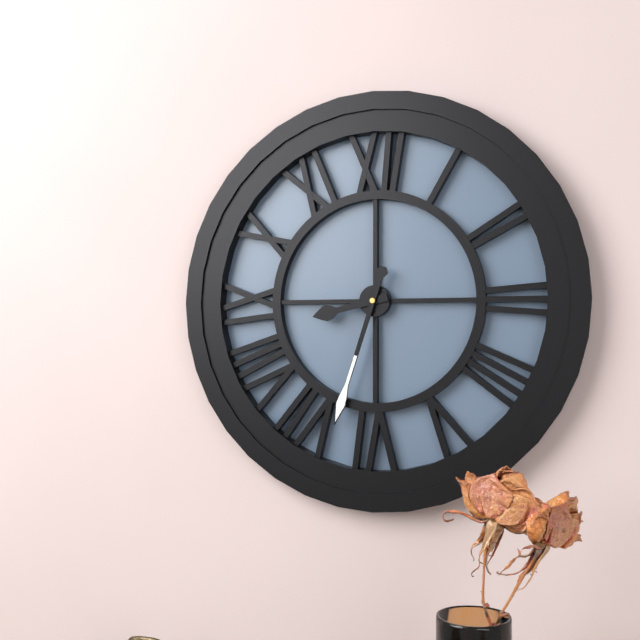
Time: **8:33**
